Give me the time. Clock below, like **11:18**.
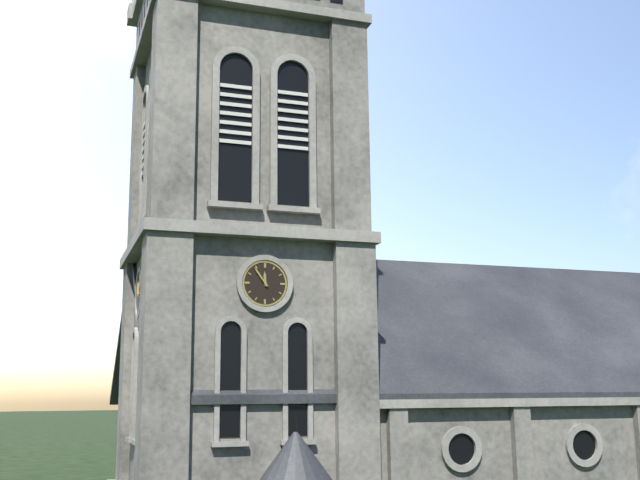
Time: **11:54**
